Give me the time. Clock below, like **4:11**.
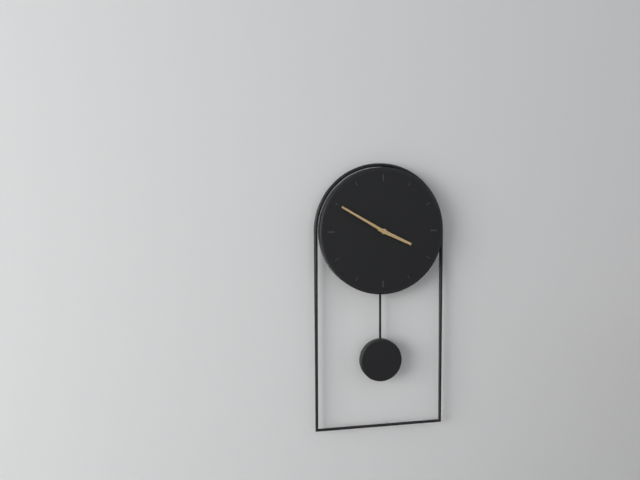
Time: **3:50**
